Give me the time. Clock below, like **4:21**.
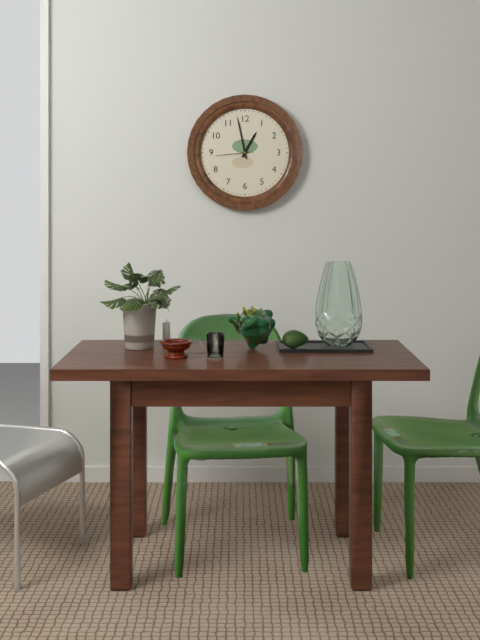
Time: **12:58**
